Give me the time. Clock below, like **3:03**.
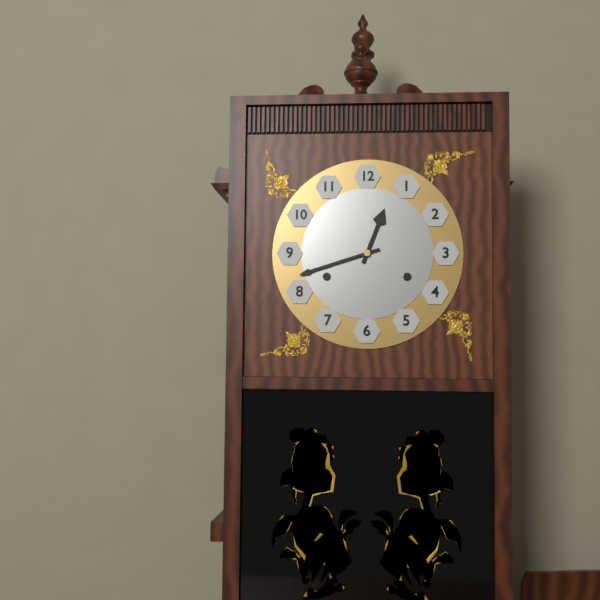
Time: **12:42**
